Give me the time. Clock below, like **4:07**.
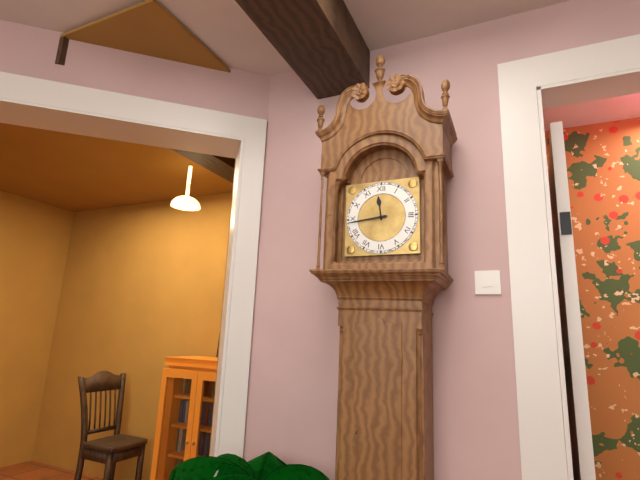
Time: **11:44**
